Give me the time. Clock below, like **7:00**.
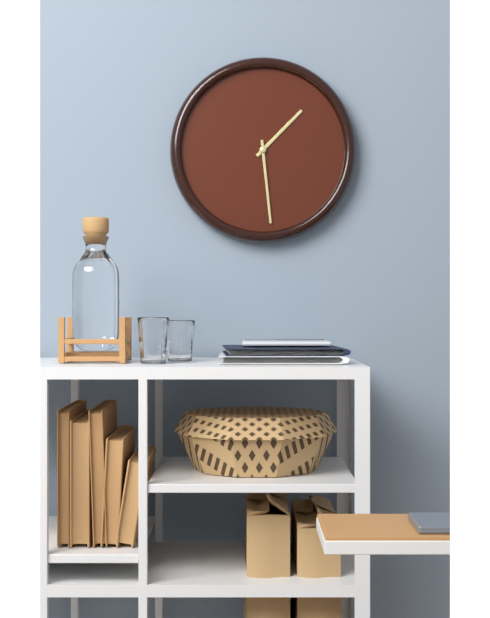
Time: **1:29**
